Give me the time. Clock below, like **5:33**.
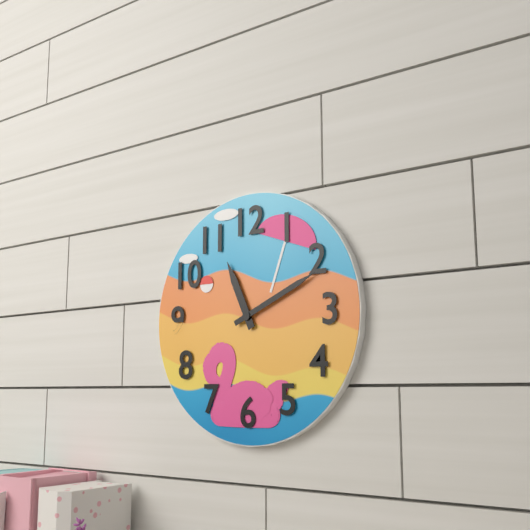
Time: **11:11**
